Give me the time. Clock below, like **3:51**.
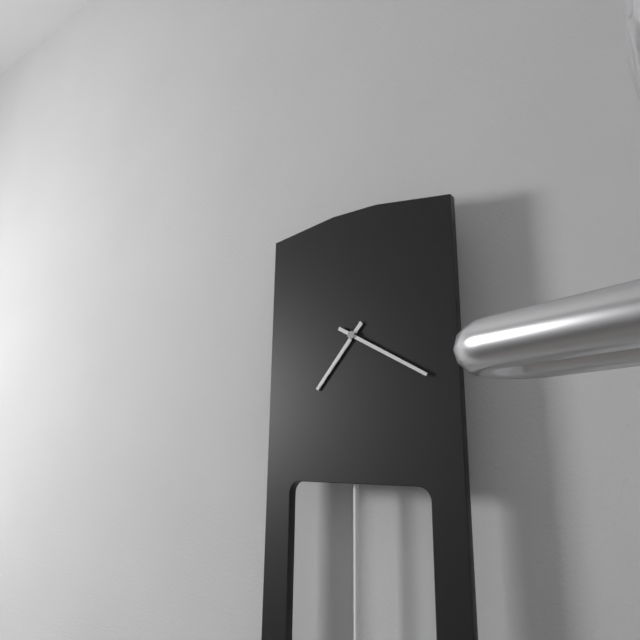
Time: **7:20**
